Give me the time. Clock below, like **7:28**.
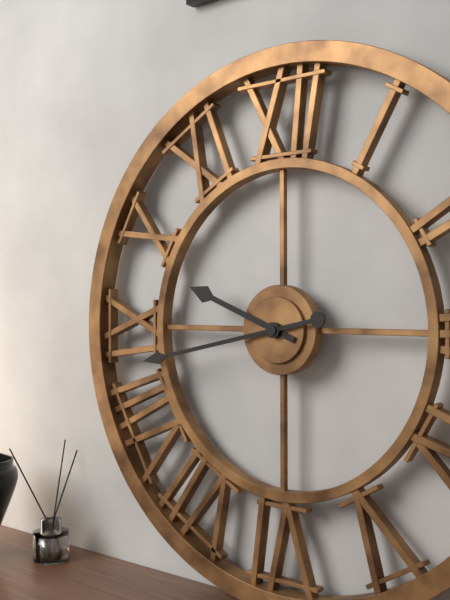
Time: **9:43**
